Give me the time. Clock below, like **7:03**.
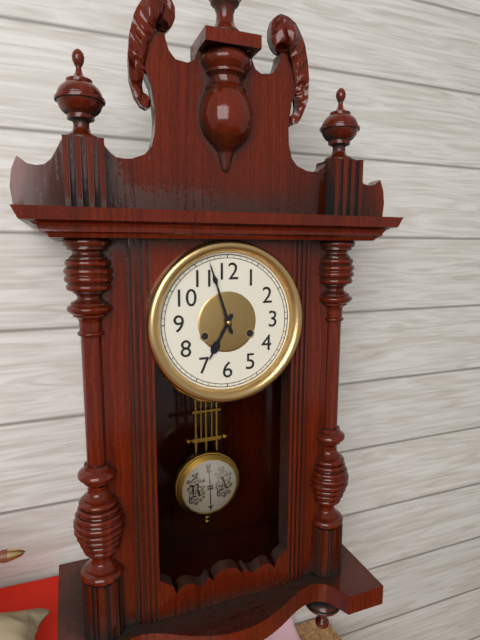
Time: **6:57**
